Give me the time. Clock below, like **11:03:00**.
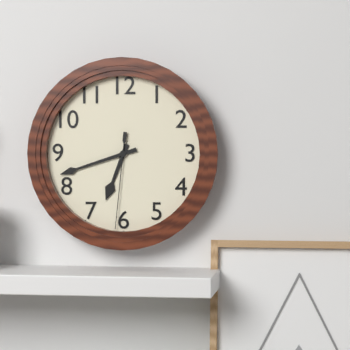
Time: **6:42:31**
